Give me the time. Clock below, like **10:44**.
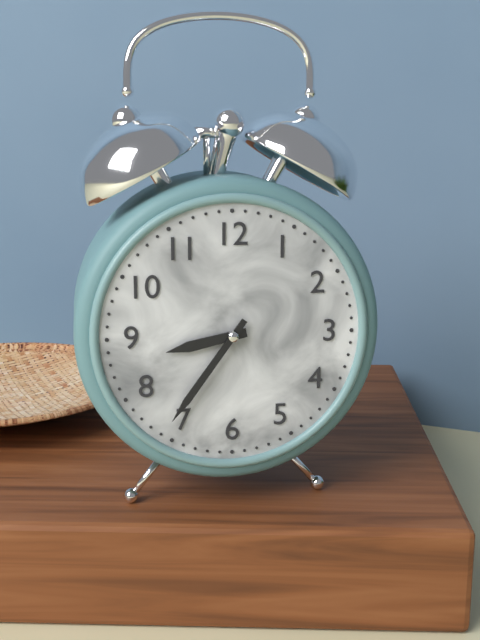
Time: **8:36**
